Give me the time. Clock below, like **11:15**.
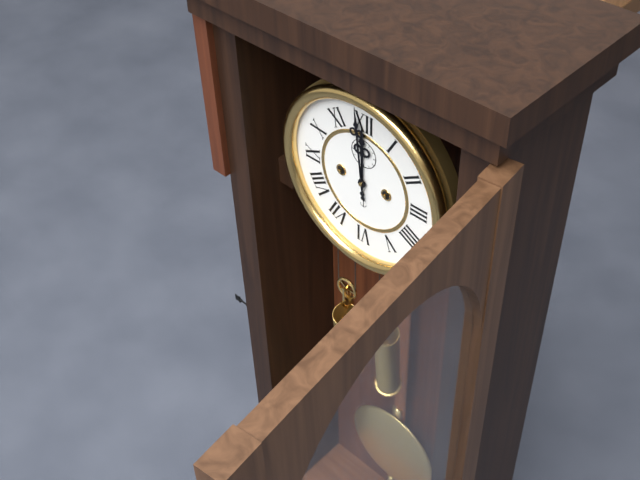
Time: **11:59**
